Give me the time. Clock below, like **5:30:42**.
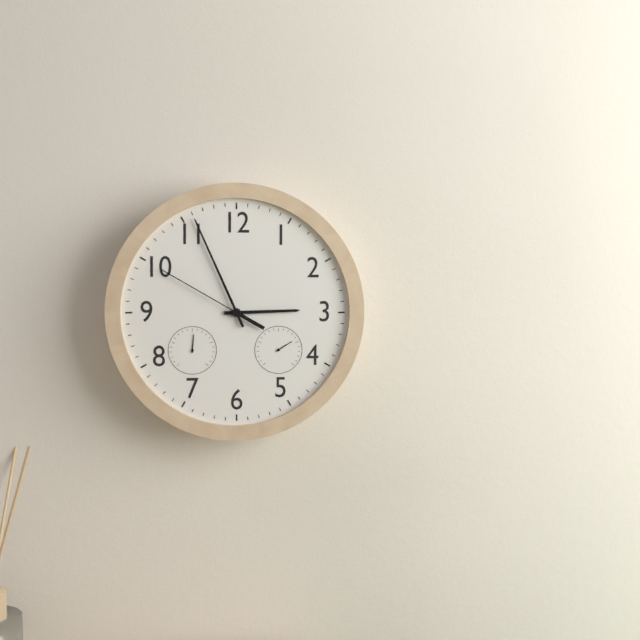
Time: **2:56:50**
